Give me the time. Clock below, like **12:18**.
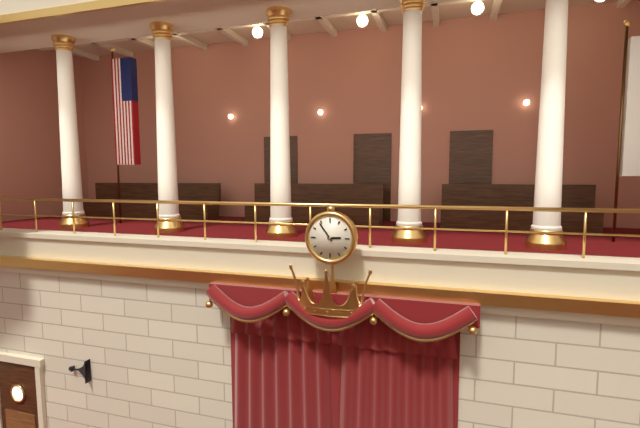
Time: **2:54**
